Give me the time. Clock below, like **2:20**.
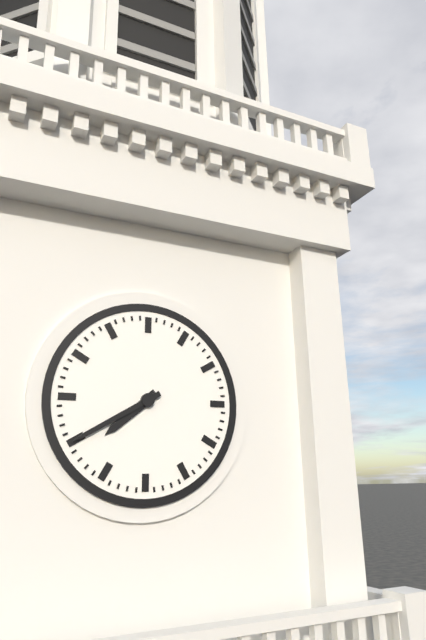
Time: **7:40**
